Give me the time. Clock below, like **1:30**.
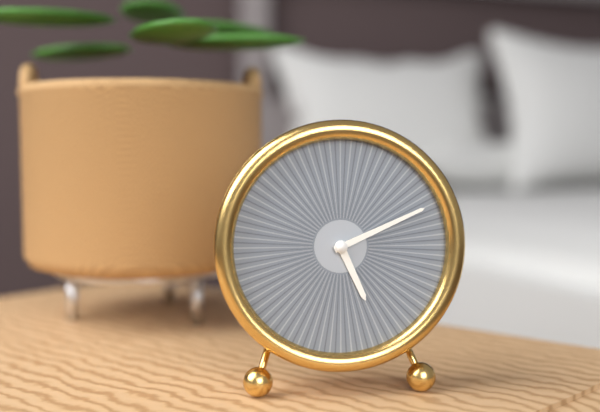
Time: **5:11**
